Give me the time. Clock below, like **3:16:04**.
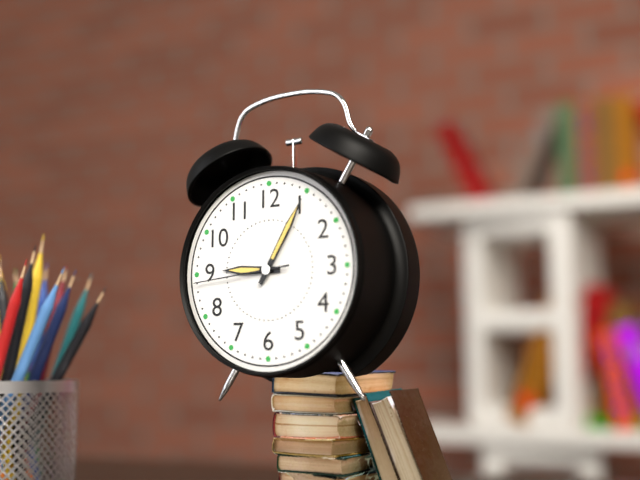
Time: **9:05:44**
